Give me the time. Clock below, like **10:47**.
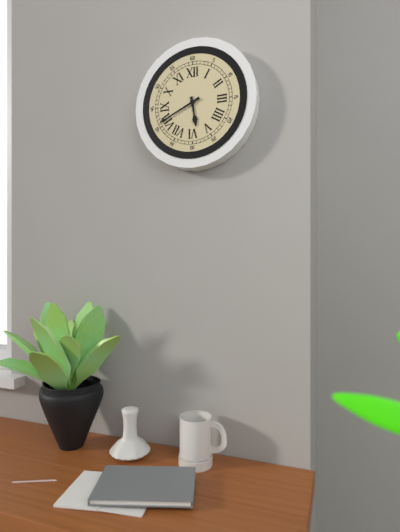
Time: **5:41**
